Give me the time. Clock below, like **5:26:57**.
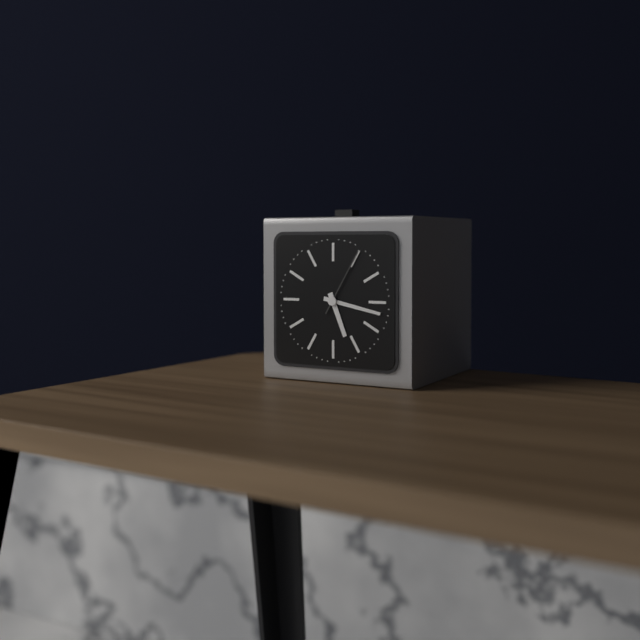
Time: **5:17:05**
